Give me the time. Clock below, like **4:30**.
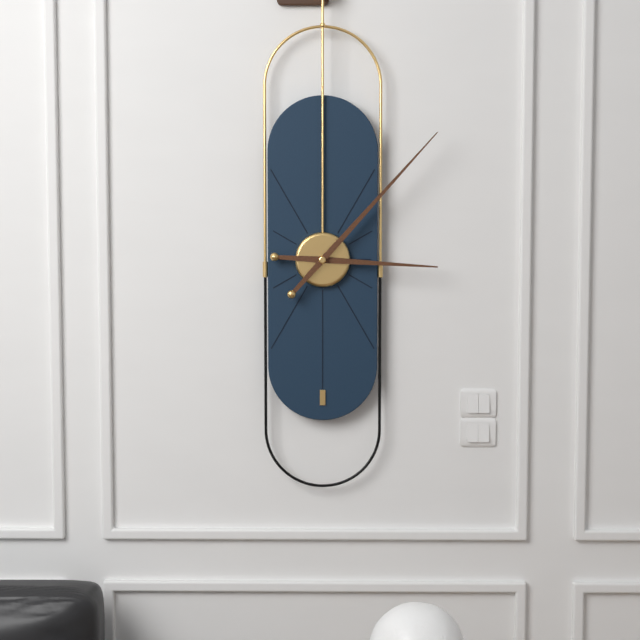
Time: **3:07**
